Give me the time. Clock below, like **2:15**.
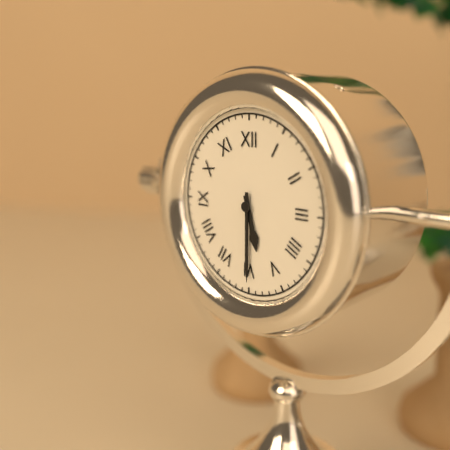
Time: **5:30**
